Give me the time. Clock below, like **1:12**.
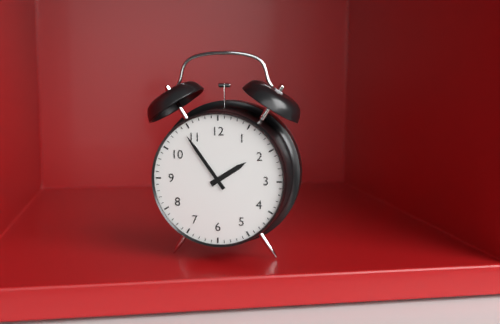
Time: **1:54**
